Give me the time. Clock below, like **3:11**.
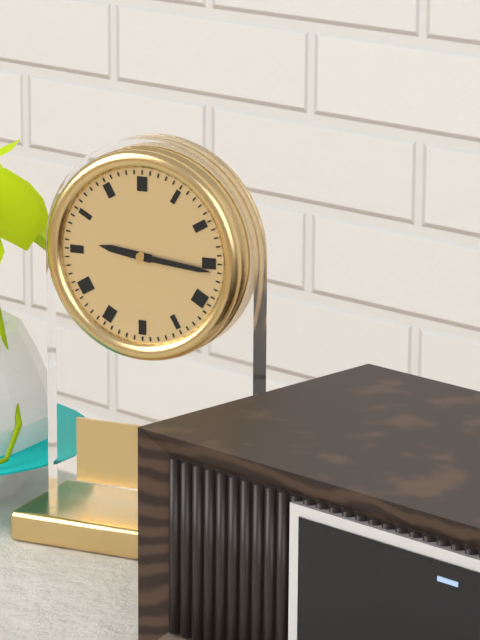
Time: **9:16**
